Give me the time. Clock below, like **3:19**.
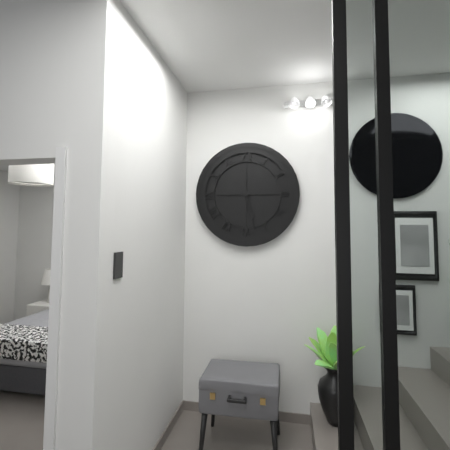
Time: **5:28**
